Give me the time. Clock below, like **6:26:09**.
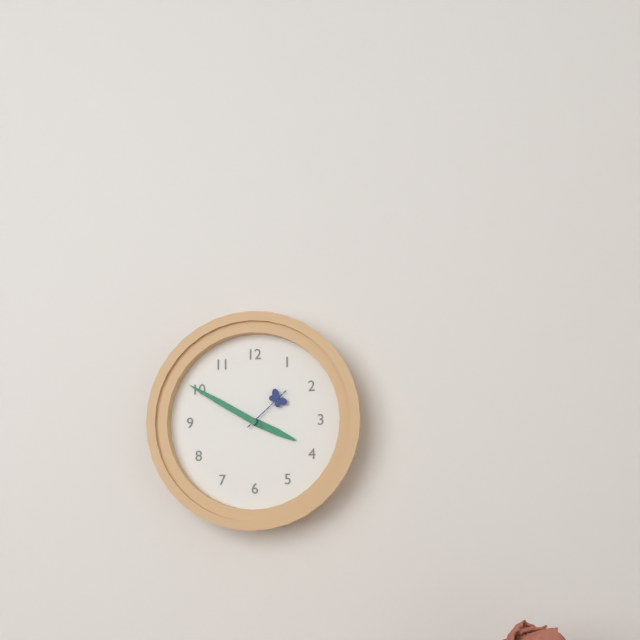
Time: **3:50:08**
